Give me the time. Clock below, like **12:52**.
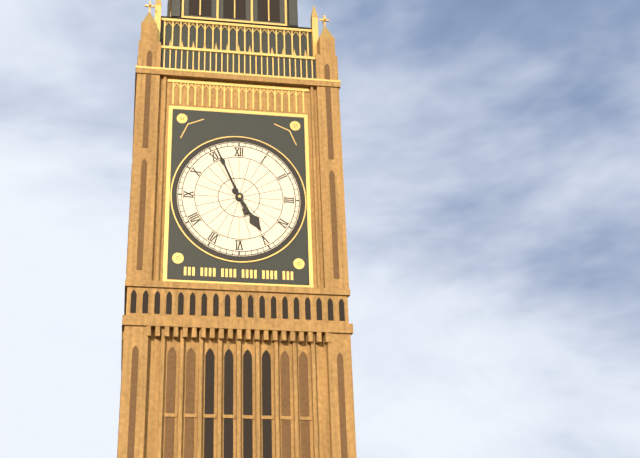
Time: **4:56**
